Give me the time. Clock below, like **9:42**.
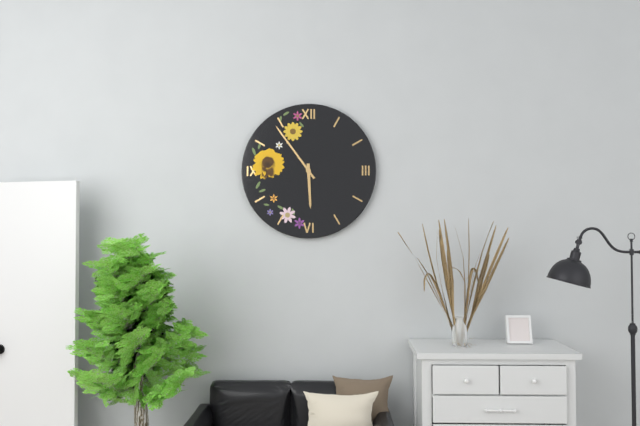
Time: **5:54**
